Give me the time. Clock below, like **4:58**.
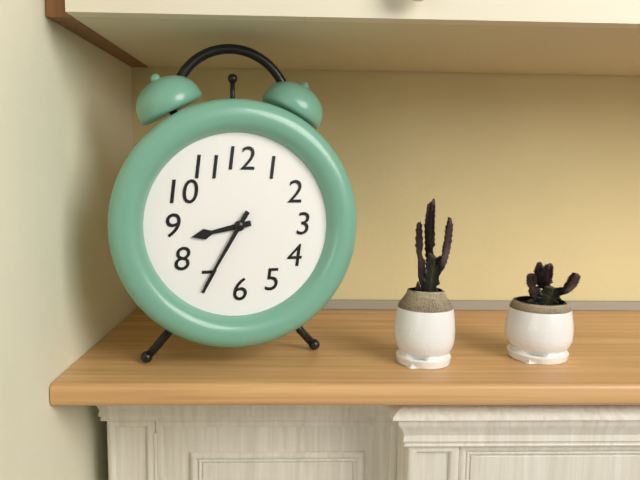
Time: **8:35**
